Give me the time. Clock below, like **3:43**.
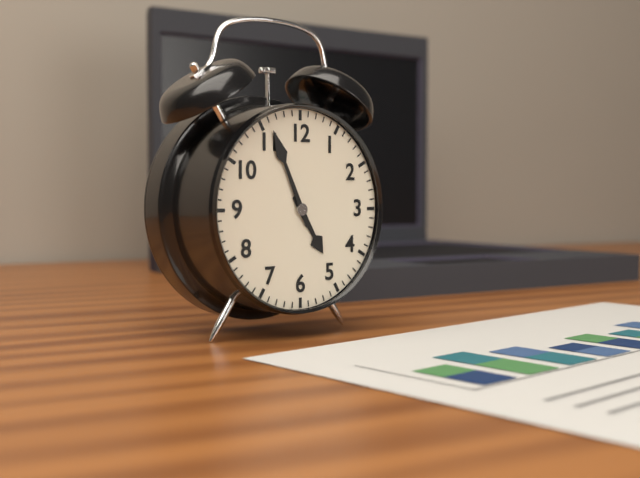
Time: **4:56**
